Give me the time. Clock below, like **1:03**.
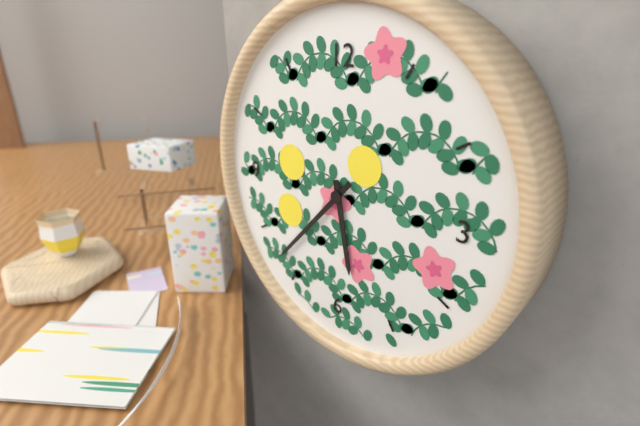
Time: **5:37**
